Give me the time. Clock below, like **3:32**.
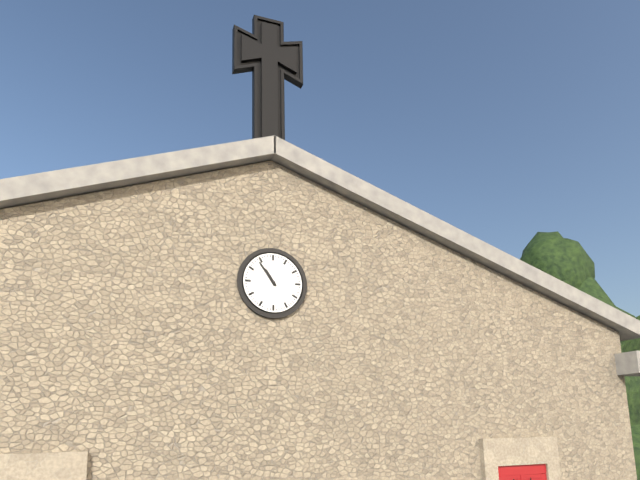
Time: **10:54**
